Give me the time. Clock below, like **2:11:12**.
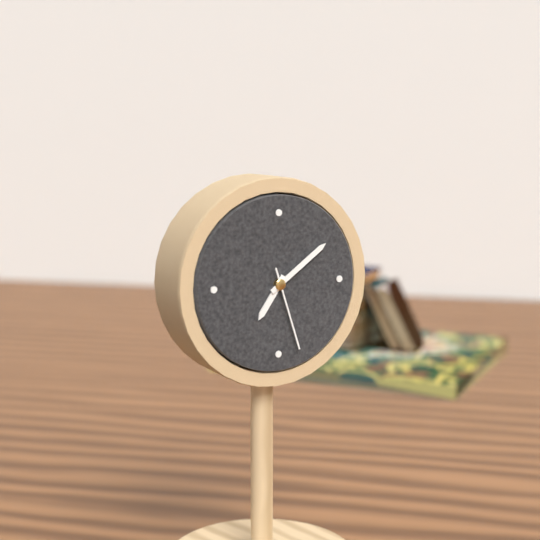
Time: **7:09:27**
